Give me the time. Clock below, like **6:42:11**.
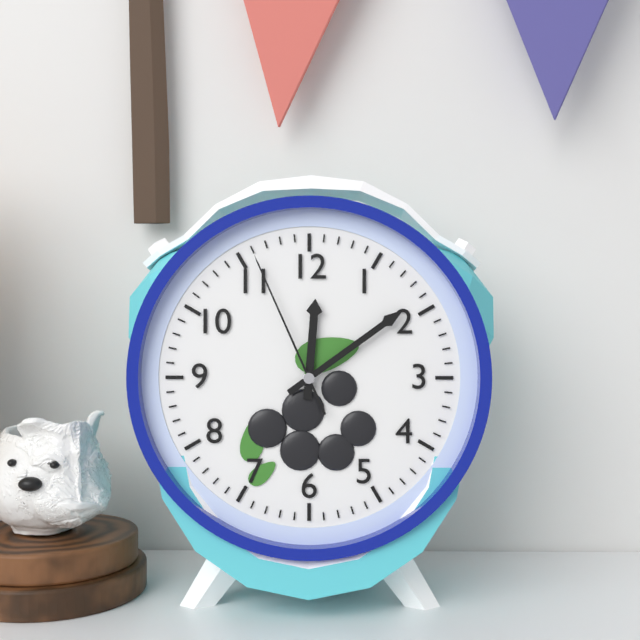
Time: **12:09:56**
